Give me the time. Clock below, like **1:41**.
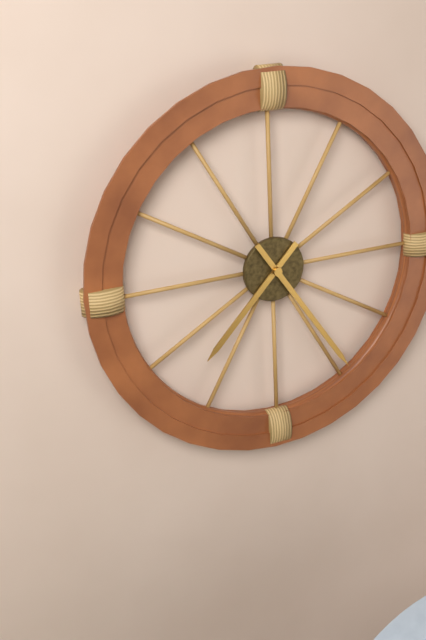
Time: **7:24**
